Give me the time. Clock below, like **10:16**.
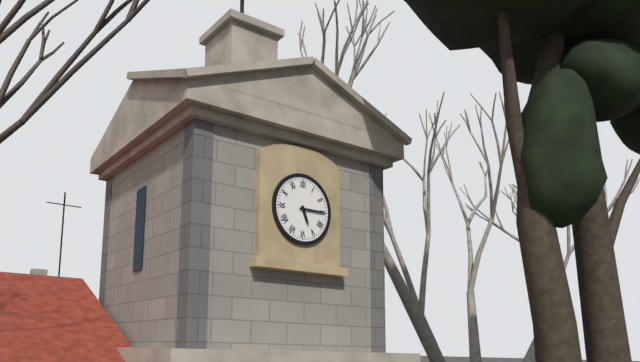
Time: **5:15**
